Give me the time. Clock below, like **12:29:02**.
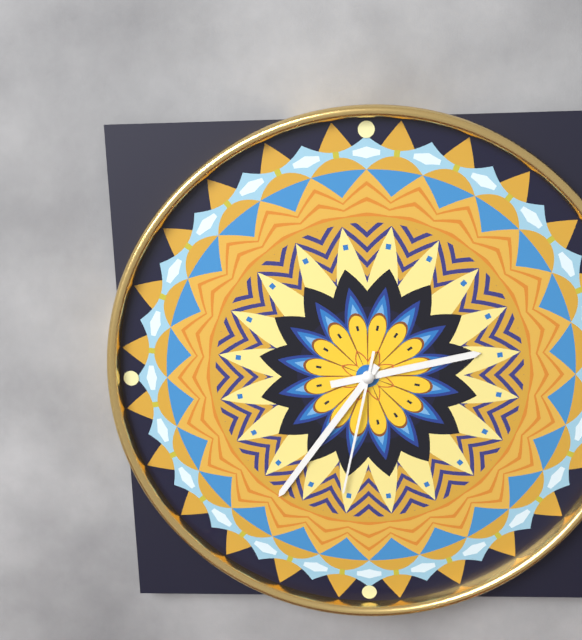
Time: **2:36:32**
